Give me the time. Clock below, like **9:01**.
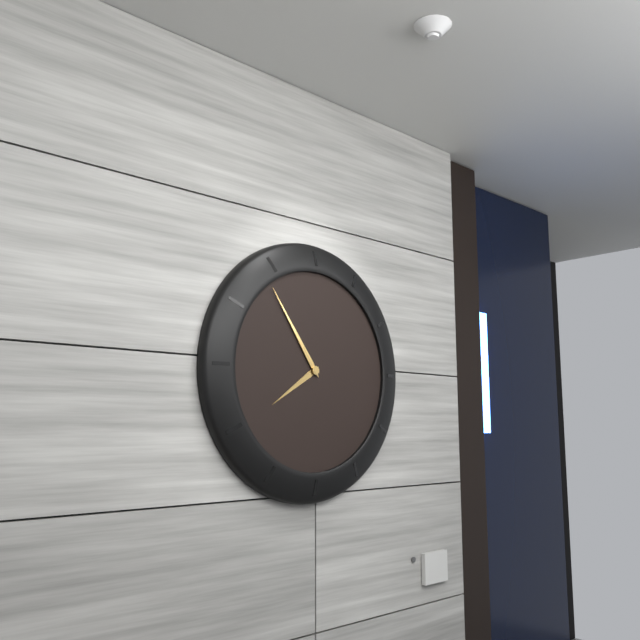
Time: **7:54**
